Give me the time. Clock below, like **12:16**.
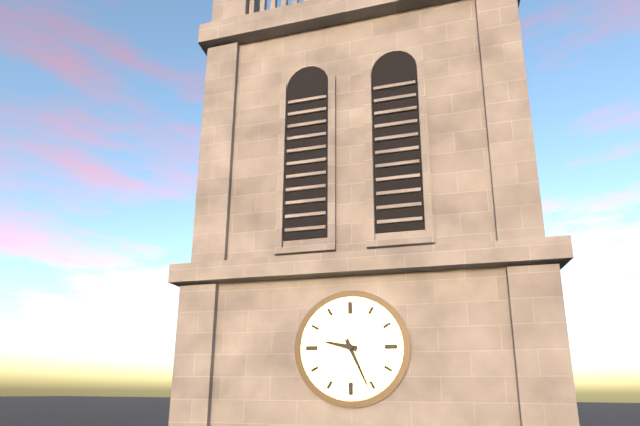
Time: **9:26**
